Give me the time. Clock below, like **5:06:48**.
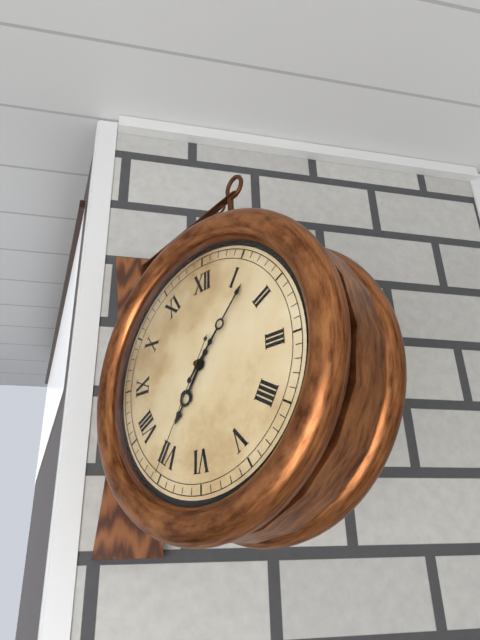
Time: **7:07:35**
